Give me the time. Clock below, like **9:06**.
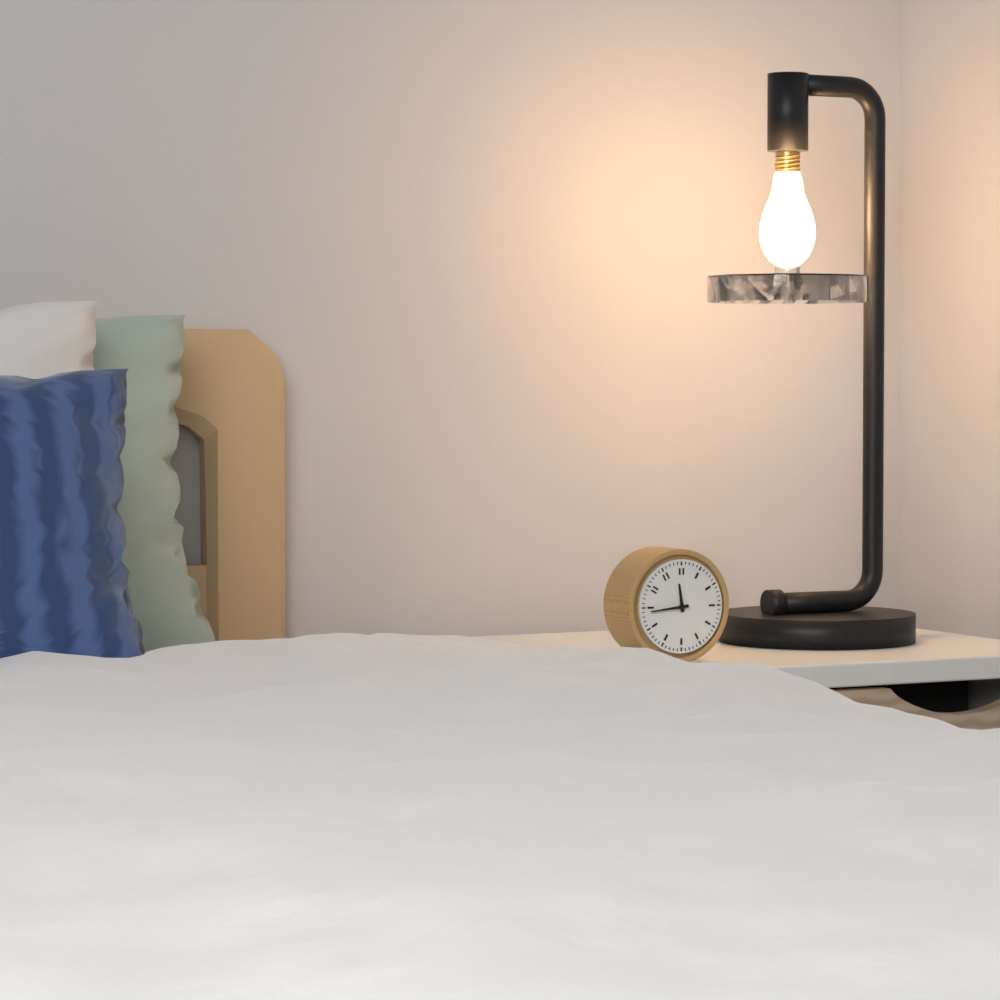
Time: **11:44**
